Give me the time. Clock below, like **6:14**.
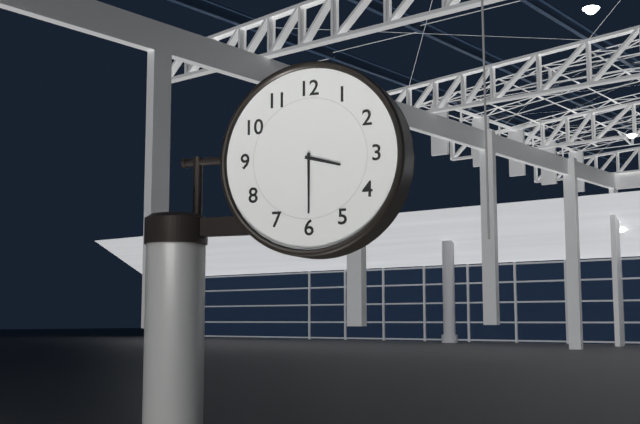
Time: **3:30**
